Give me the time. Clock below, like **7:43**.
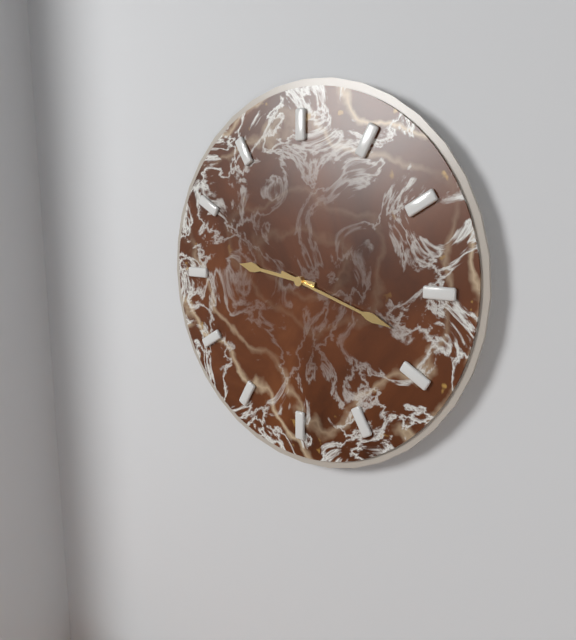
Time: **9:18**
